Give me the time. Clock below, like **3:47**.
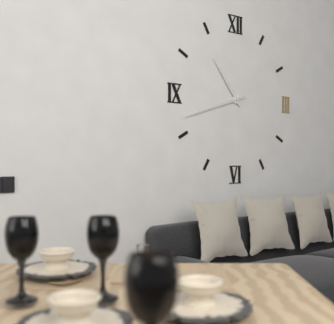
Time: **10:42**
